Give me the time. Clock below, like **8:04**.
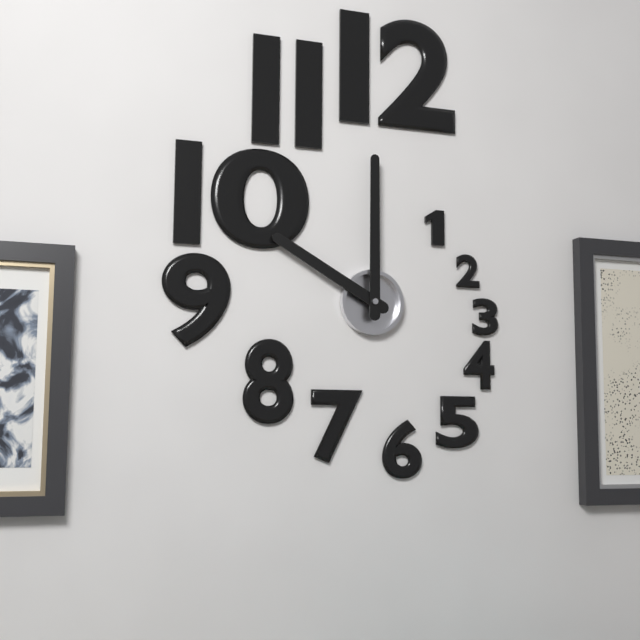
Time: **10:00**
